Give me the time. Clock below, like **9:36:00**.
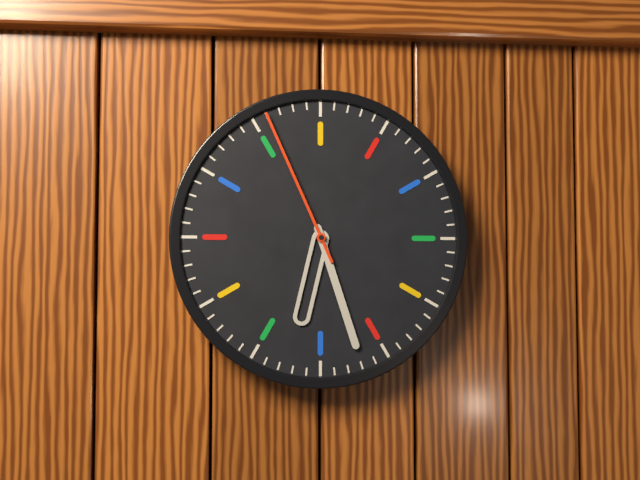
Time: **6:27:56**
